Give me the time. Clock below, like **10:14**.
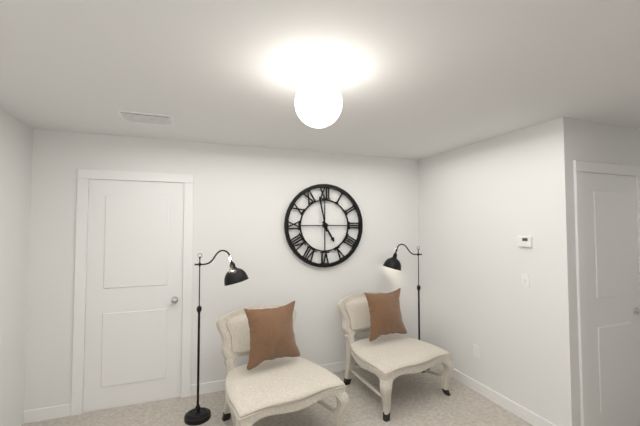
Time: **4:58**
